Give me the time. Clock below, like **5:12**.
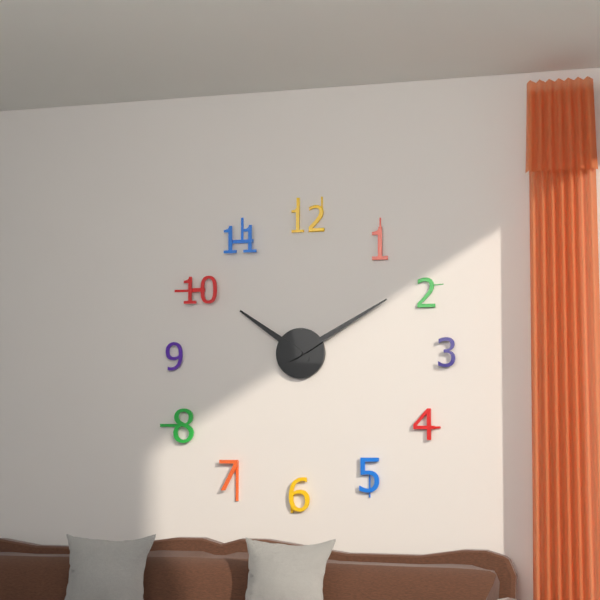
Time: **10:10**
